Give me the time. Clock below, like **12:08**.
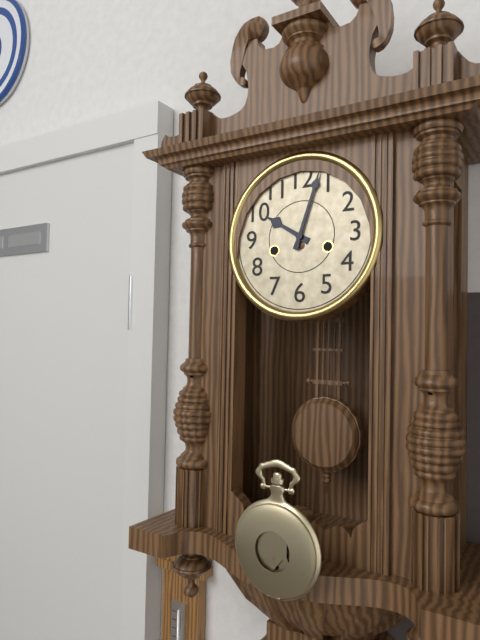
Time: **10:03**
